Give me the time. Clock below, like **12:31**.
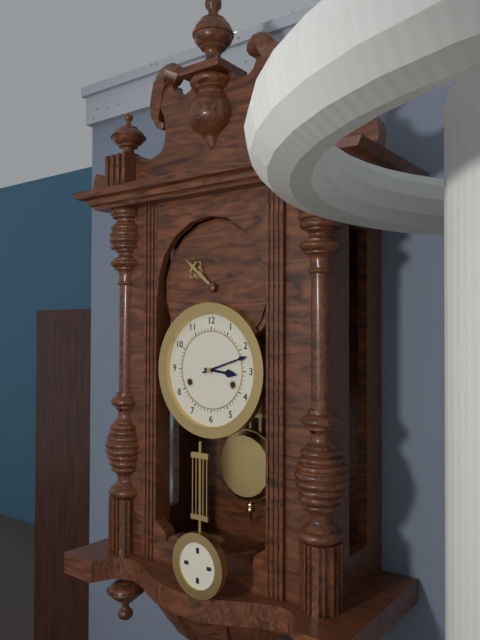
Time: **3:12**
